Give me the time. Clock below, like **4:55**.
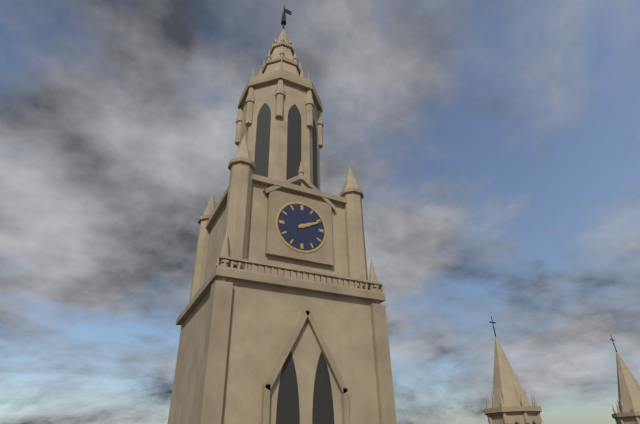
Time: **2:11**
